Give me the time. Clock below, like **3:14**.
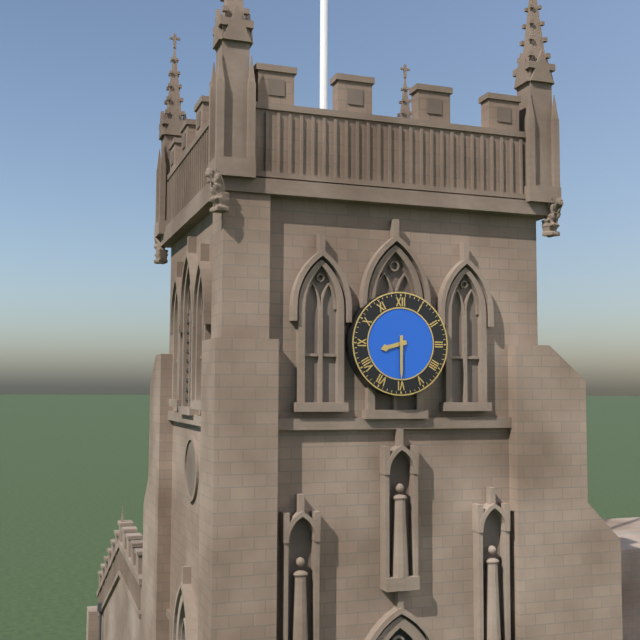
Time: **8:30**
